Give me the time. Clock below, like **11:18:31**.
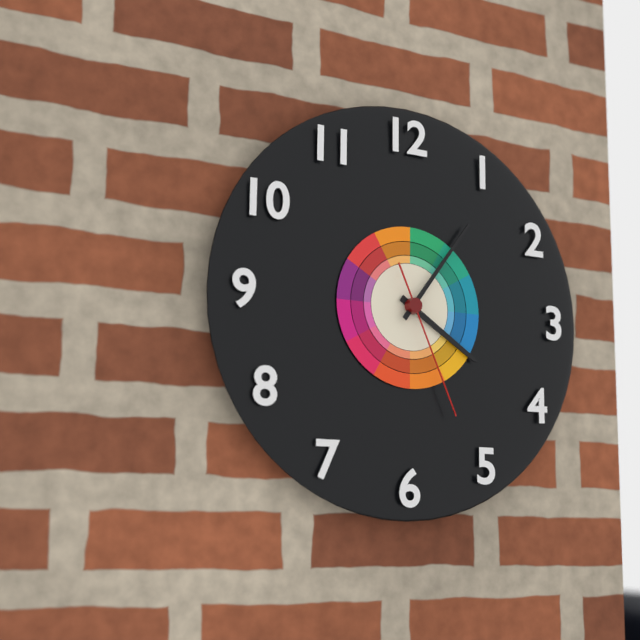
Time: **4:06:26**
